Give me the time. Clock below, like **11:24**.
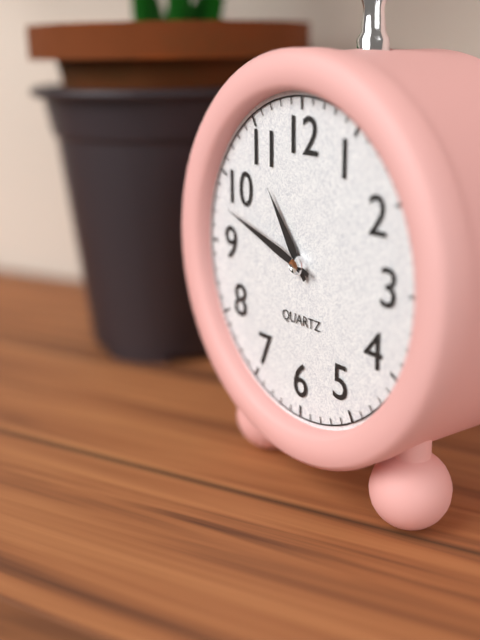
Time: **10:48**
